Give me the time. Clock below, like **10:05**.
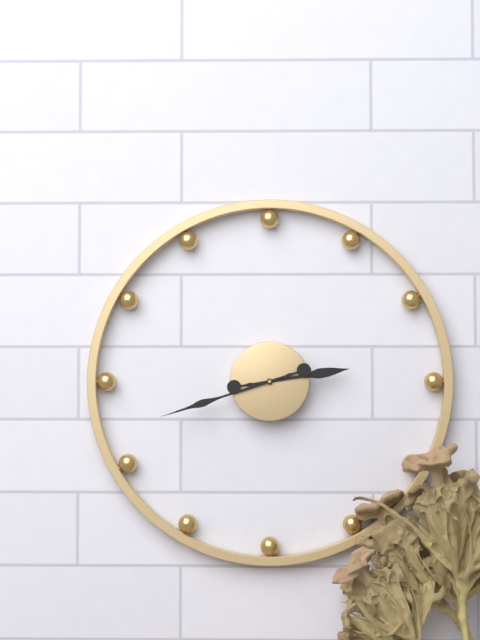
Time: **2:42**
